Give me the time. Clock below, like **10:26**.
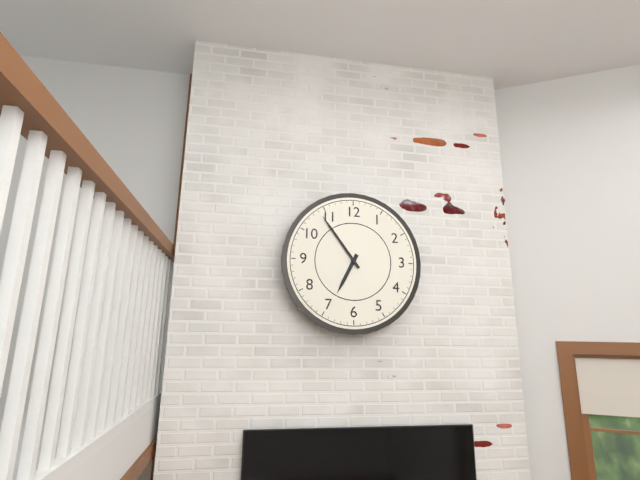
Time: **6:54**
